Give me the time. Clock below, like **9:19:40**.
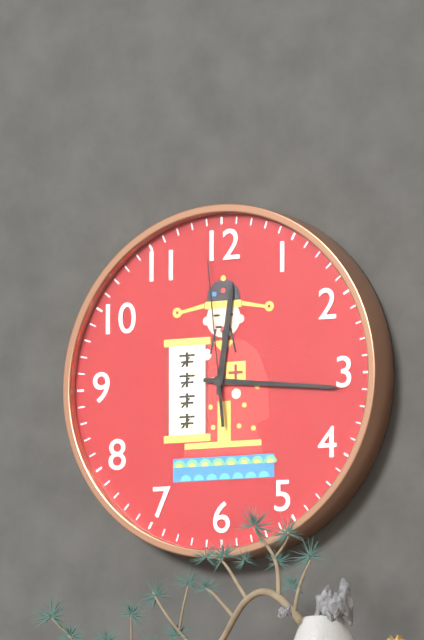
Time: **12:16:59**
